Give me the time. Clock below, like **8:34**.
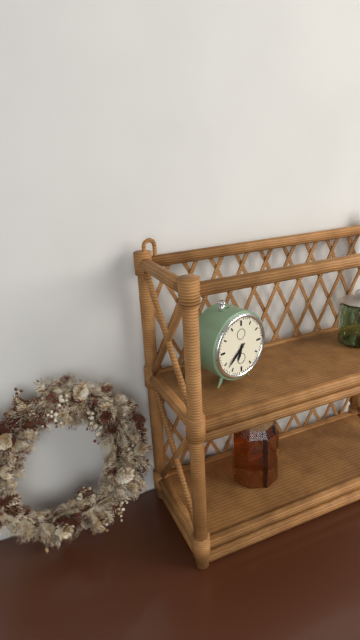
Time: **6:38**
